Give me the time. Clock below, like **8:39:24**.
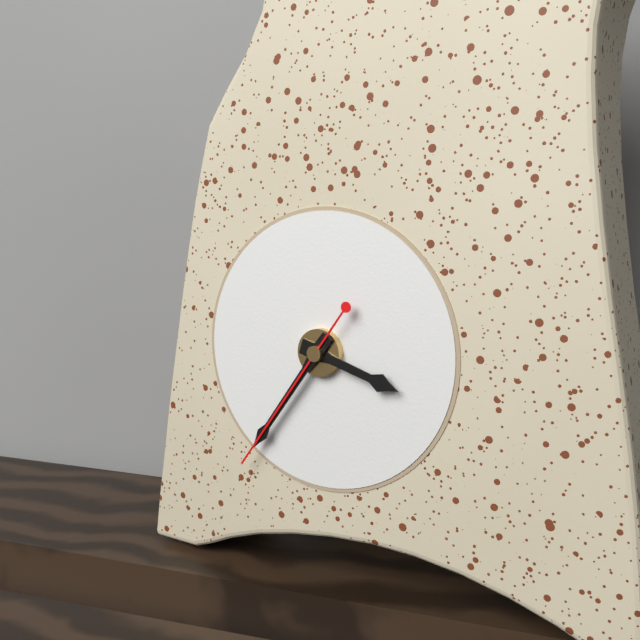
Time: **3:36:36**
